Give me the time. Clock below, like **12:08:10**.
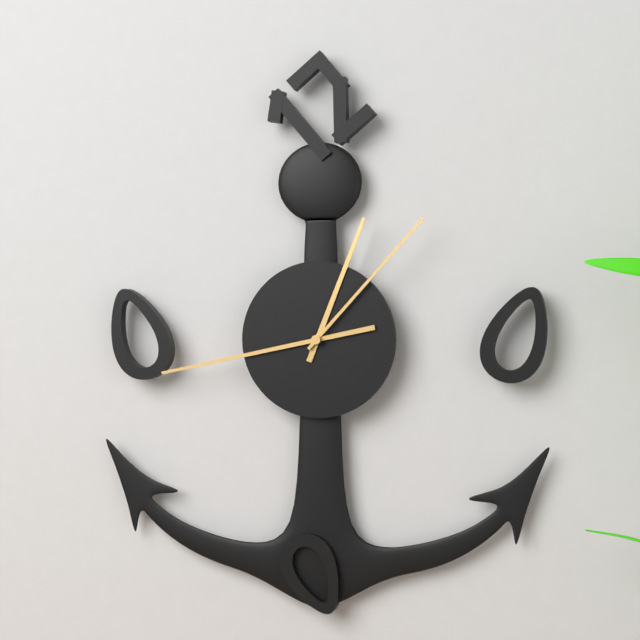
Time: **12:43:07**
